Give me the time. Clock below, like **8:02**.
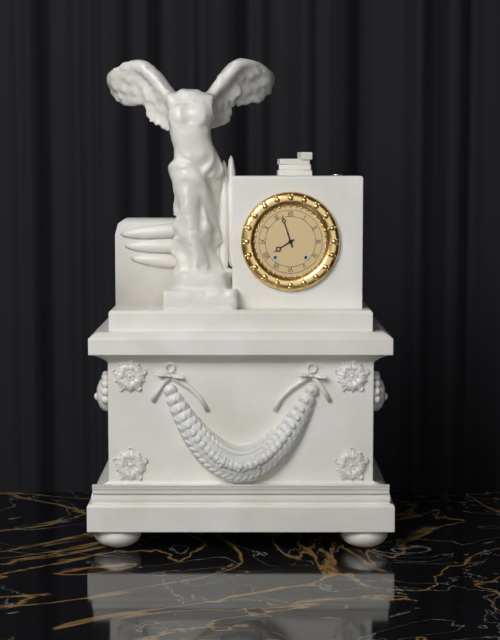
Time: **7:57**
